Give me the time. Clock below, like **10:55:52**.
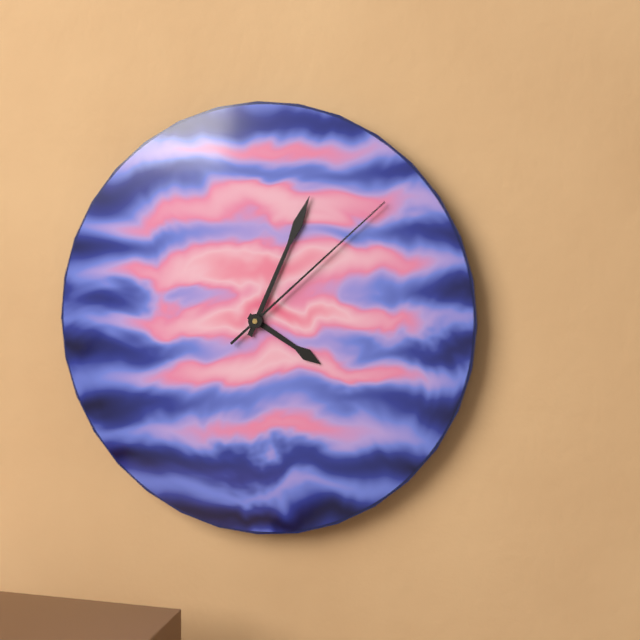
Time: **4:04:08**
